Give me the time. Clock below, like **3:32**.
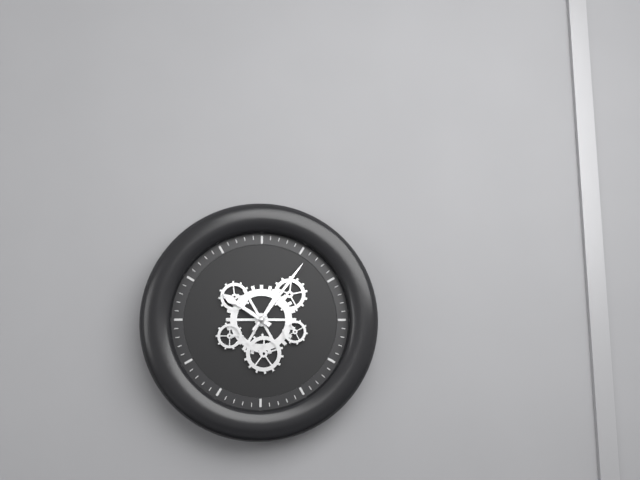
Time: **10:06**
